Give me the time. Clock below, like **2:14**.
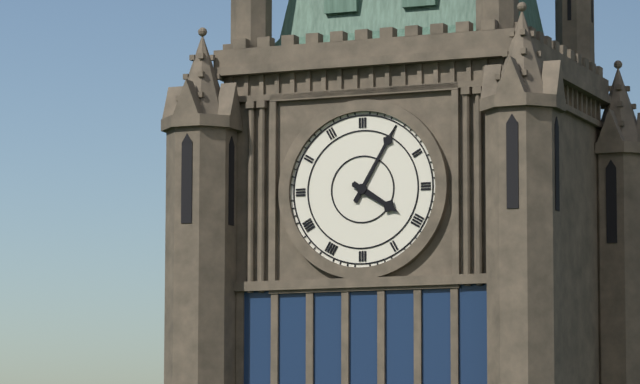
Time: **4:05**
